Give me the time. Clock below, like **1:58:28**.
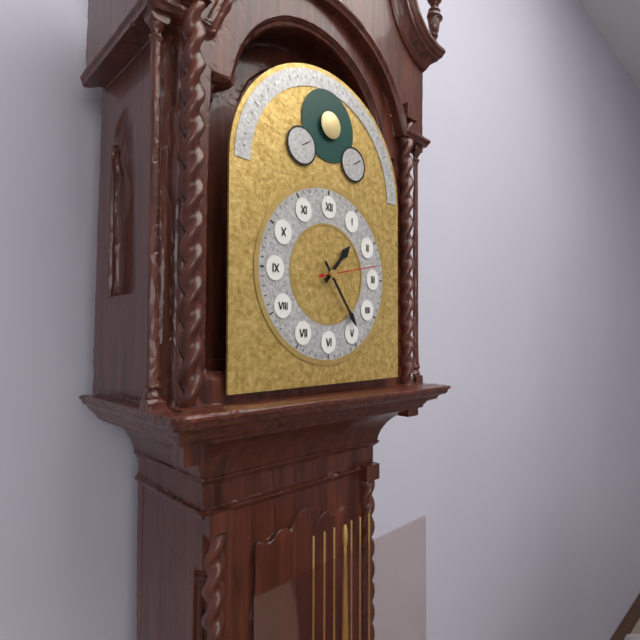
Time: **1:24:13**
